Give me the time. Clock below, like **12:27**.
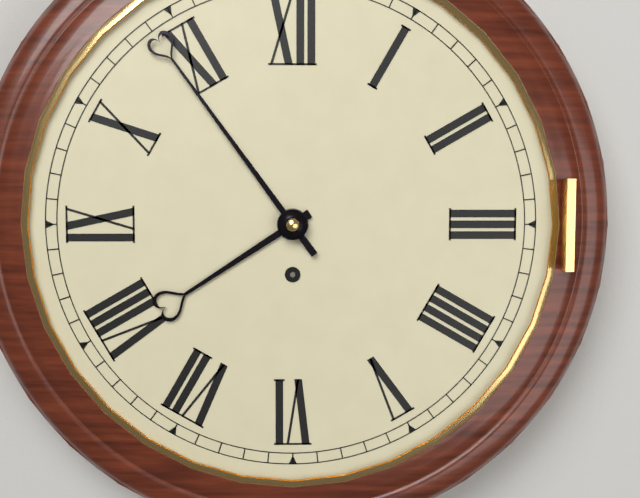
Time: **7:54**
